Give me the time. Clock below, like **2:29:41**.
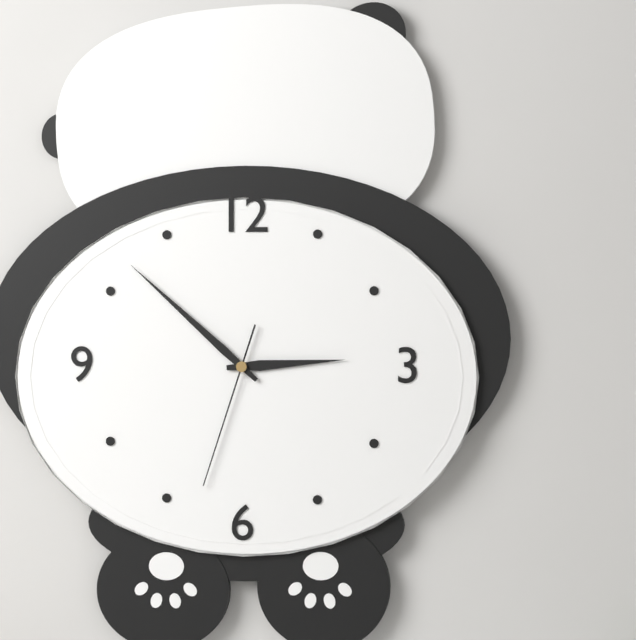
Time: **2:52:33**
